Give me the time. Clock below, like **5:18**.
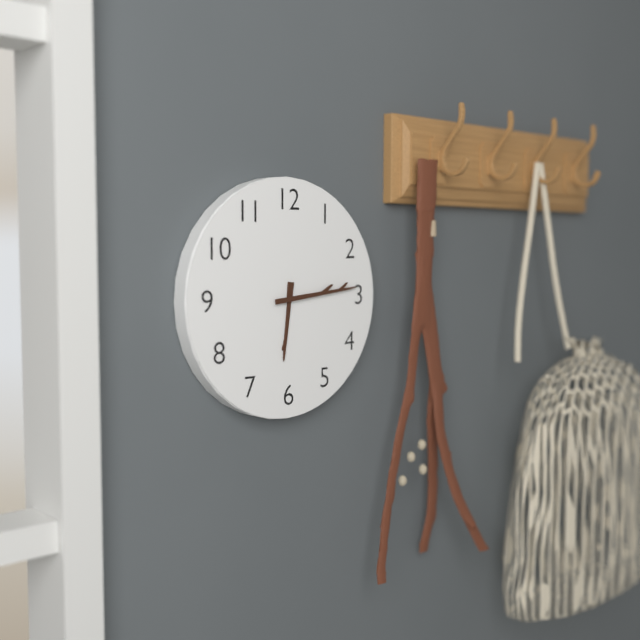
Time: **6:14**
